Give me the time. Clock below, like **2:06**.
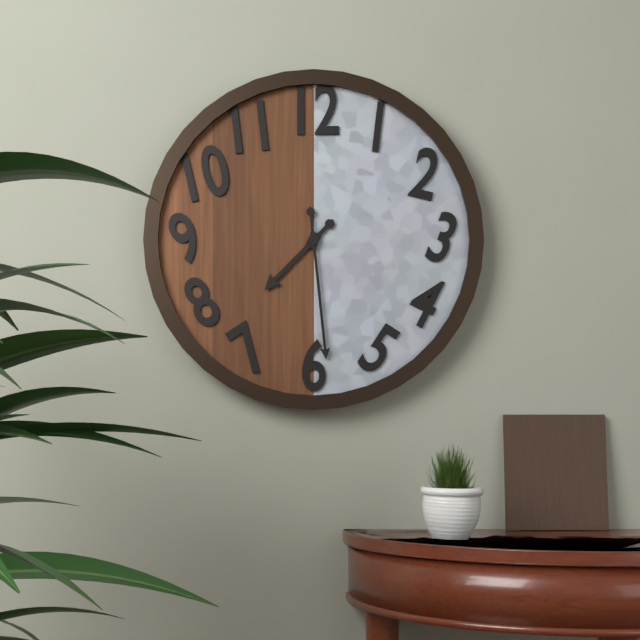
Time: **7:29**
